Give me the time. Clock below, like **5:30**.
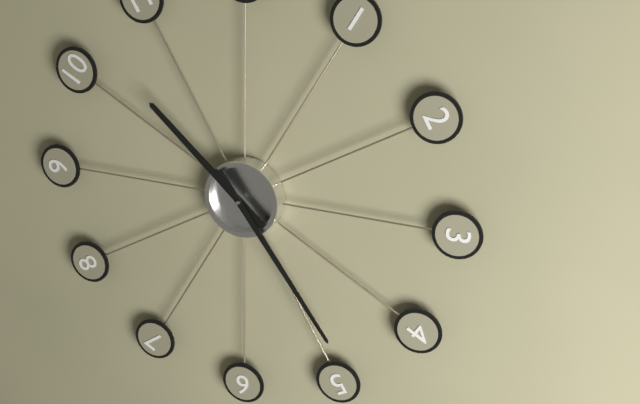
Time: **10:24**
